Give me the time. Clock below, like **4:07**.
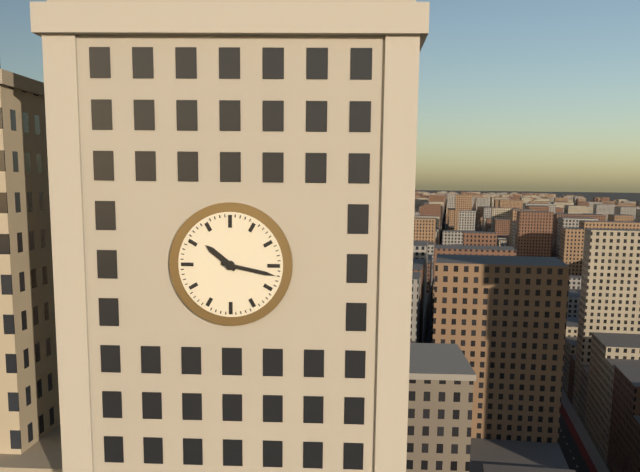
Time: **10:17**
